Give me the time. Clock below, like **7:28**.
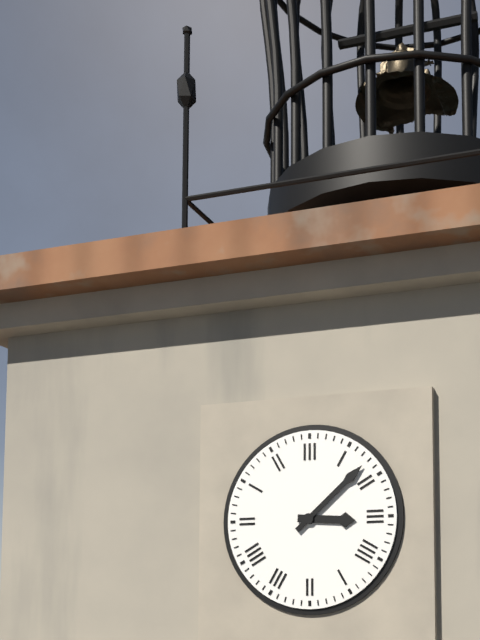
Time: **3:08**
